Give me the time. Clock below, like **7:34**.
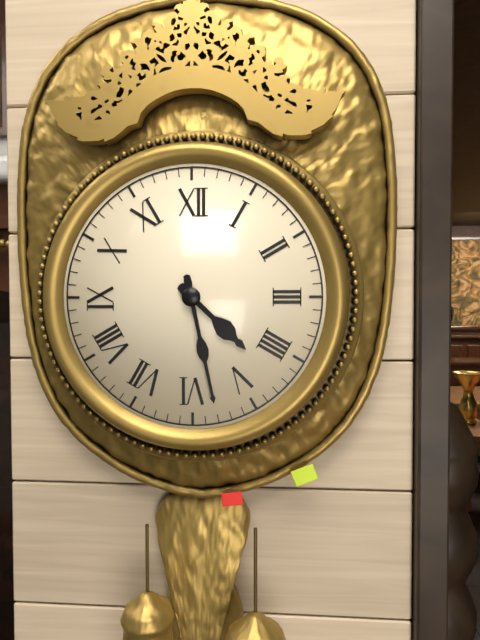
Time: **4:28**
